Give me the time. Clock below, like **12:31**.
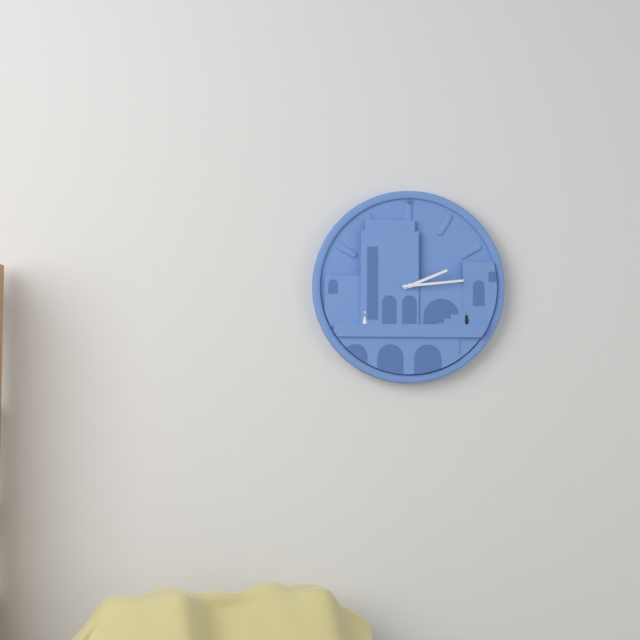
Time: **2:14**
